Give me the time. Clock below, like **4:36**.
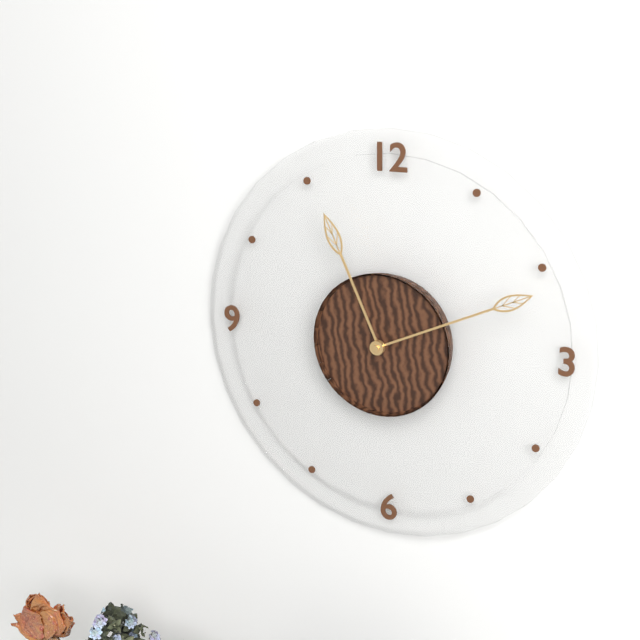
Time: **11:11**
